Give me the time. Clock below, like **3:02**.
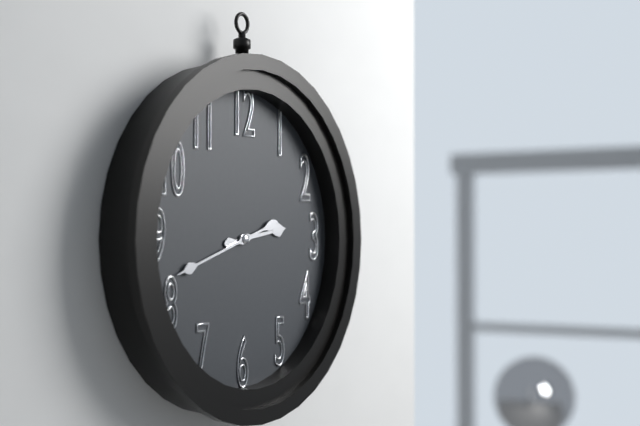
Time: **2:42**
